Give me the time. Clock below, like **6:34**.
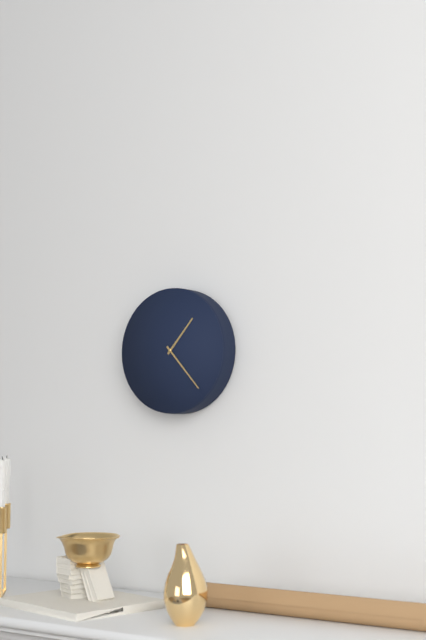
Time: **1:23**
